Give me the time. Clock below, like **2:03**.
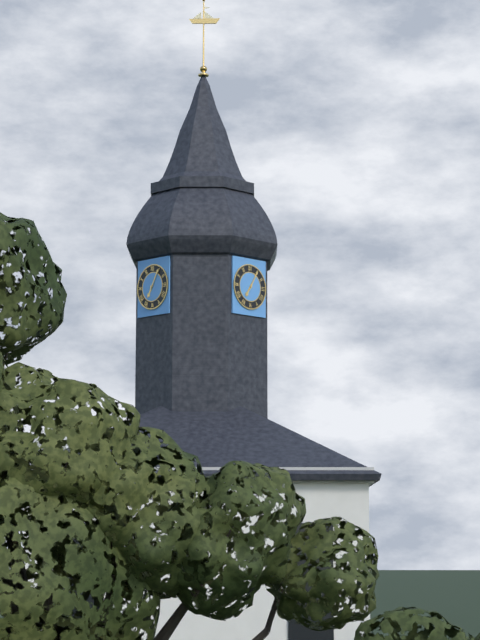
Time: **7:05**
